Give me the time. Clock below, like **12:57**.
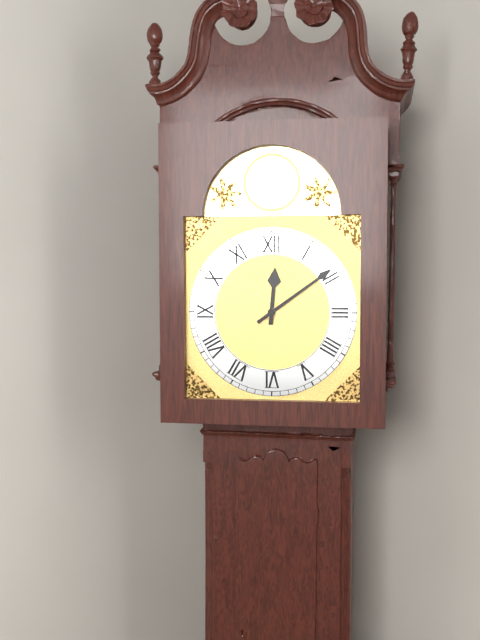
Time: **12:09**
